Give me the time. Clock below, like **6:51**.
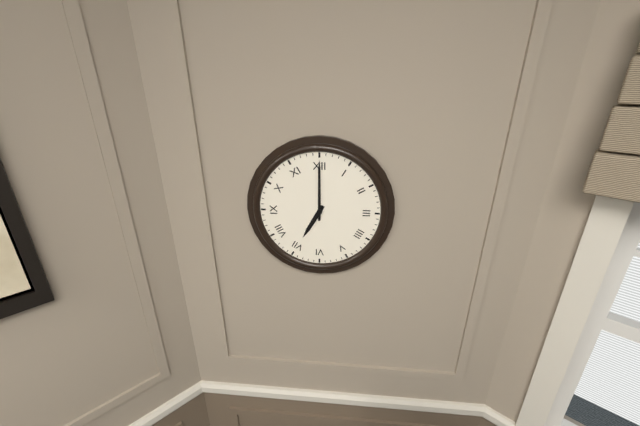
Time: **7:00**
